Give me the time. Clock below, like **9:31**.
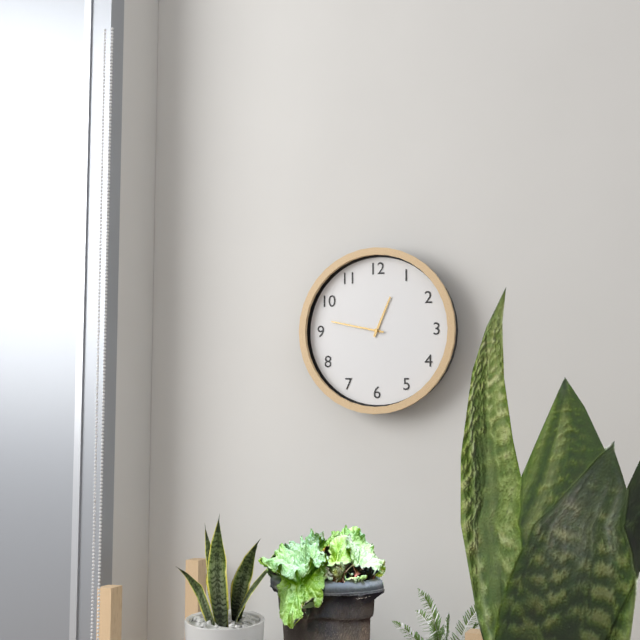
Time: **12:47**
